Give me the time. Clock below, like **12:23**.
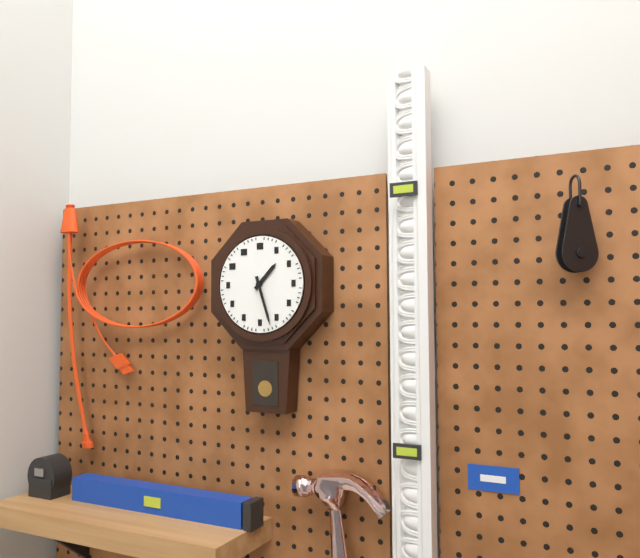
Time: **1:27**
